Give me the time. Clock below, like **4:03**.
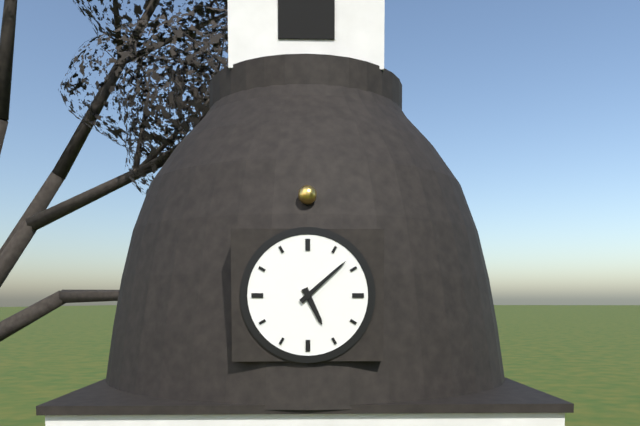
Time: **5:08**
